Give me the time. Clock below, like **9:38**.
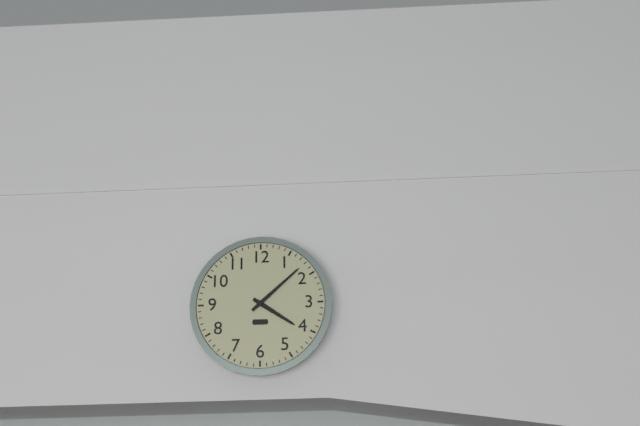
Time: **4:08**
